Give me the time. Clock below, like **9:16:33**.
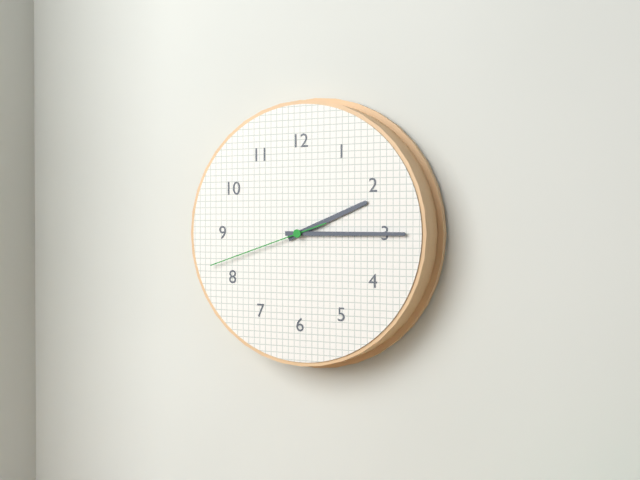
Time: **2:15:42**
